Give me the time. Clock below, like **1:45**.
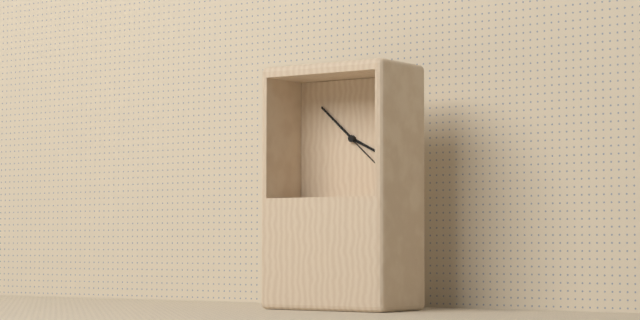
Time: **3:52**
